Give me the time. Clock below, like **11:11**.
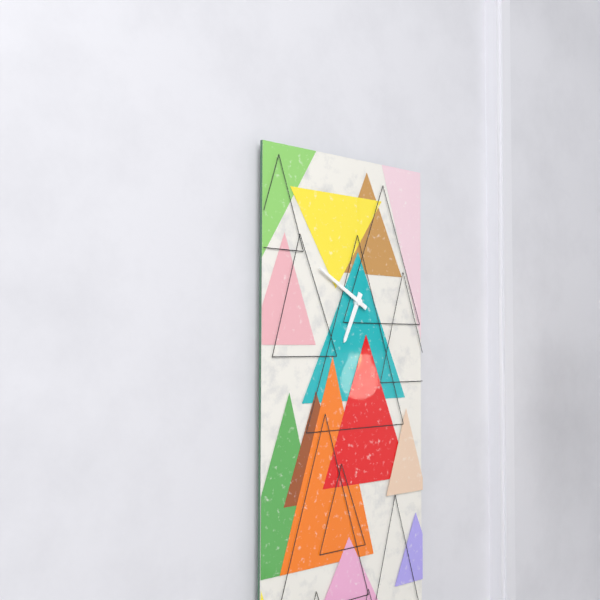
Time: **6:50**
